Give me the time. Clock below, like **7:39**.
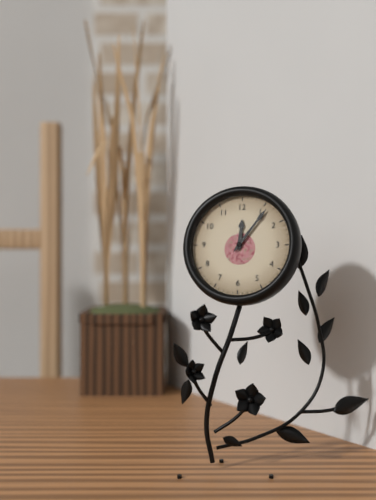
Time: **12:06**
